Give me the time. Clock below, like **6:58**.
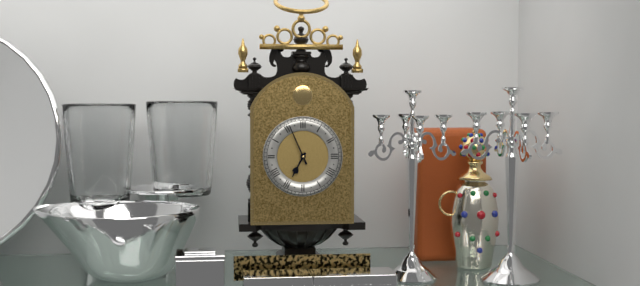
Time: **6:56**
